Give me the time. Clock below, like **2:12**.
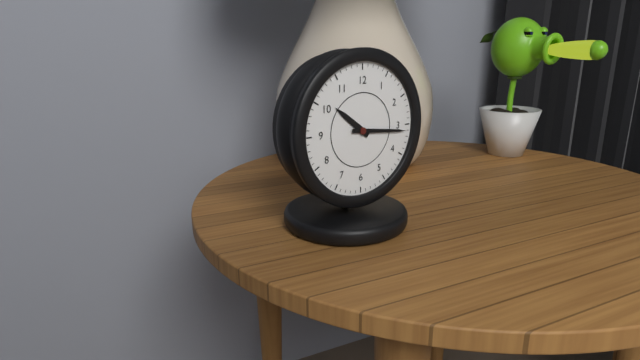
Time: **10:16**
